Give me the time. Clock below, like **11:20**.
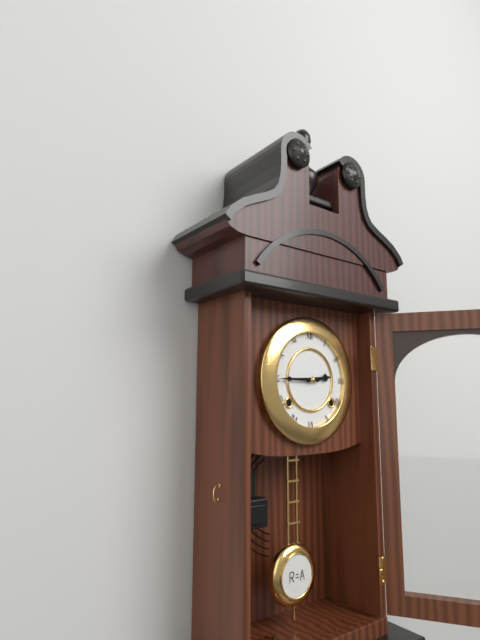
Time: **2:45**
